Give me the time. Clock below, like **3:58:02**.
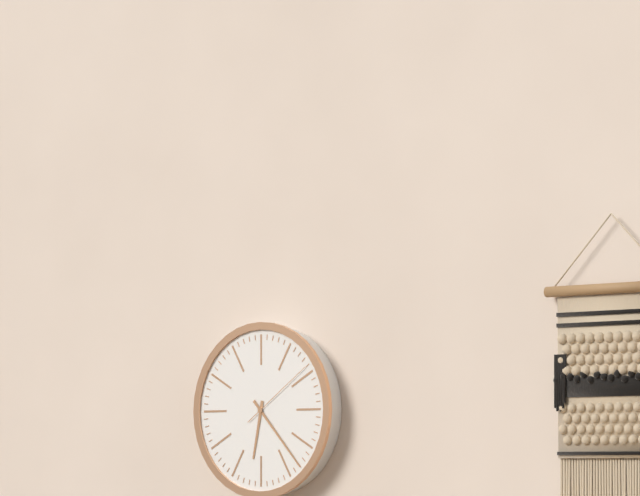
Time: **6:23:09**
